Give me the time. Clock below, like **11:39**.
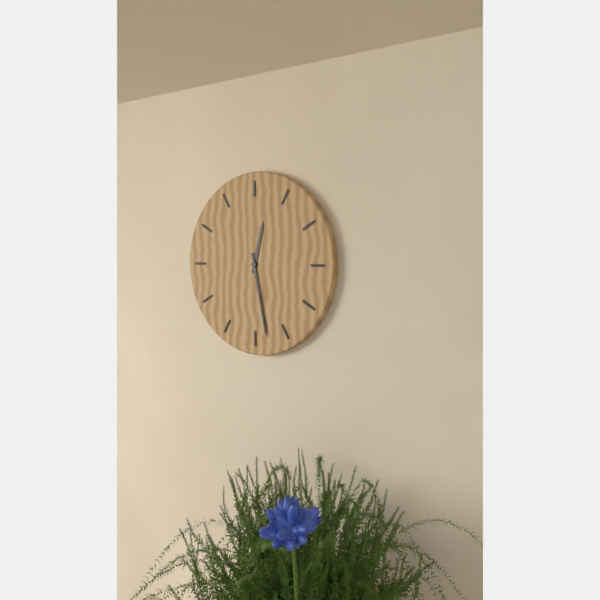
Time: **12:28**
